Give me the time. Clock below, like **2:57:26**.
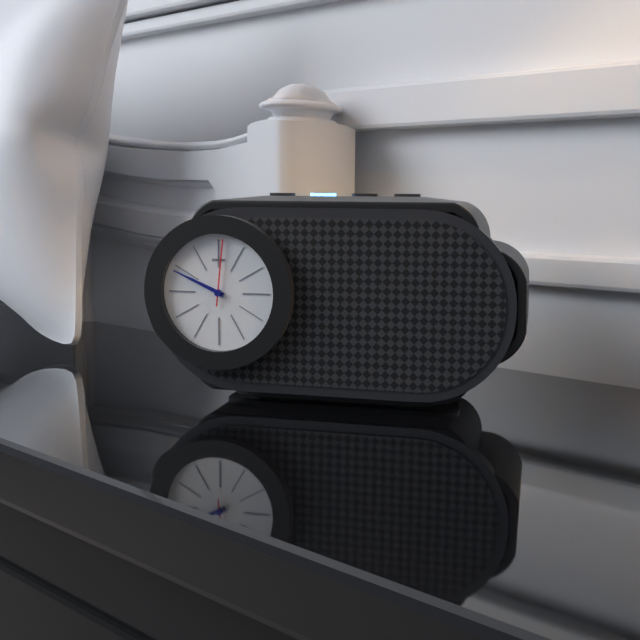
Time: **9:49:01**
